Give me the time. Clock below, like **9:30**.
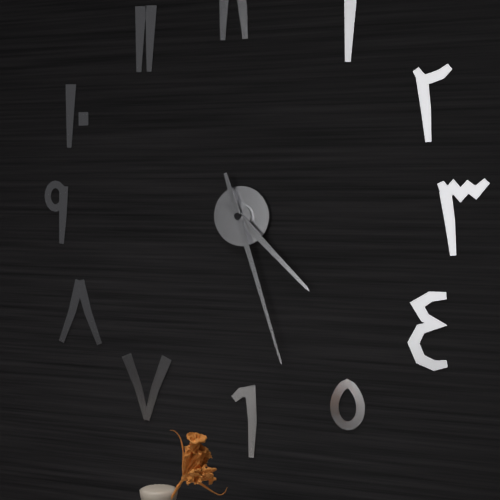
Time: **4:27**
